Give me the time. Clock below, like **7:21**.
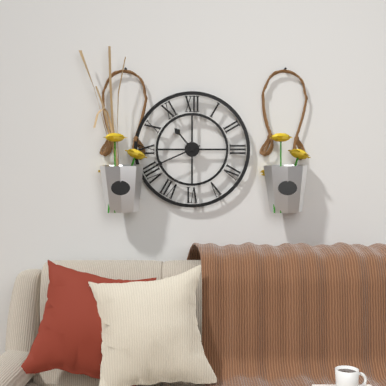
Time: **10:41**
